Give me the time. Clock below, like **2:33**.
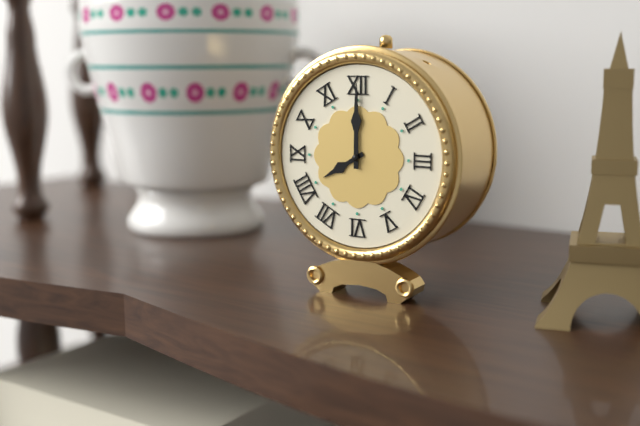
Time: **8:00**
